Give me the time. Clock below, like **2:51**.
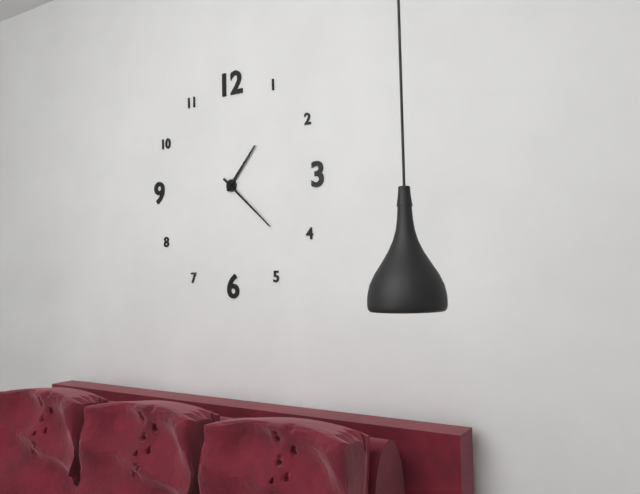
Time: **1:22**
